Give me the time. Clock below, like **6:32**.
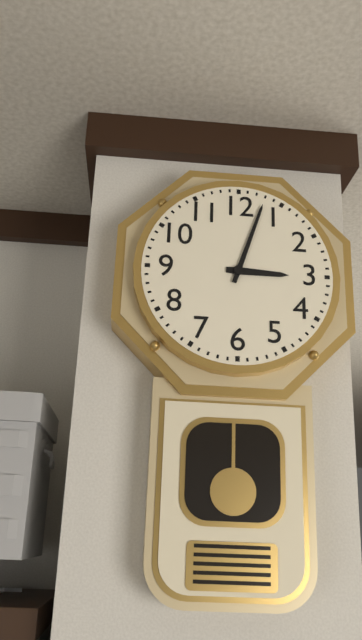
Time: **3:03**
